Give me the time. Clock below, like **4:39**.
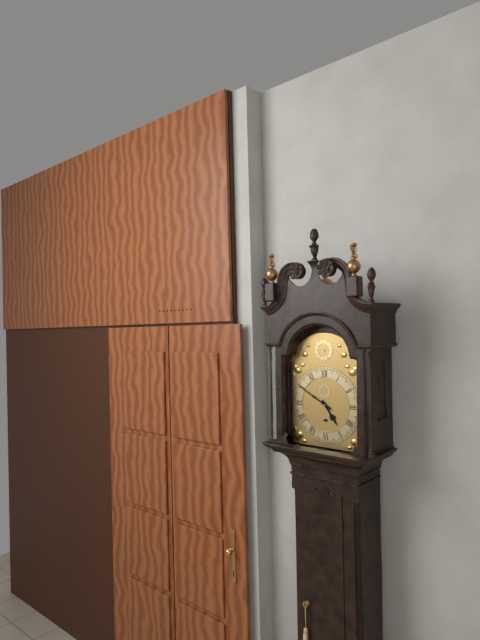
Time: **4:50**
